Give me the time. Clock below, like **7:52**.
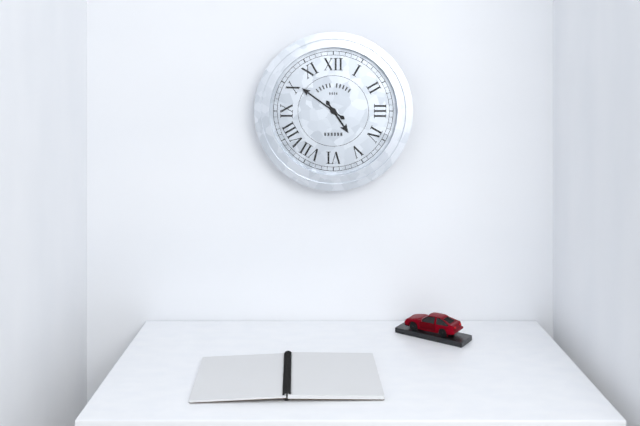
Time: **4:51**
